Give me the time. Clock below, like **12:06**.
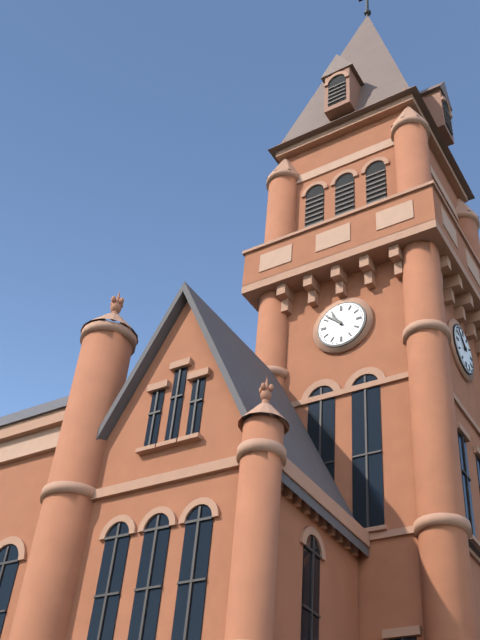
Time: **10:52**
